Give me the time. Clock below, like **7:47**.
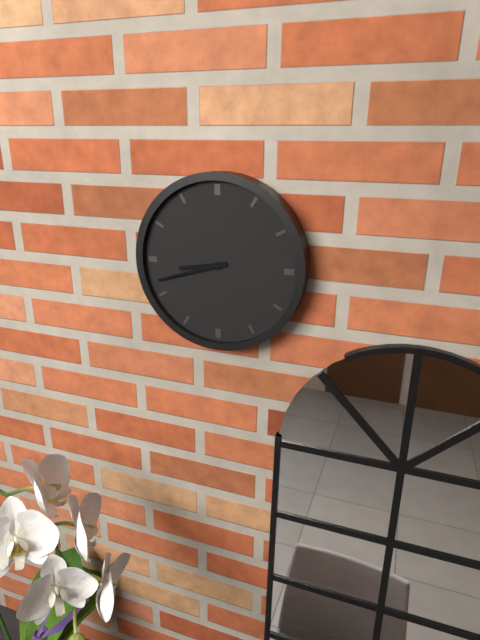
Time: **8:42**
